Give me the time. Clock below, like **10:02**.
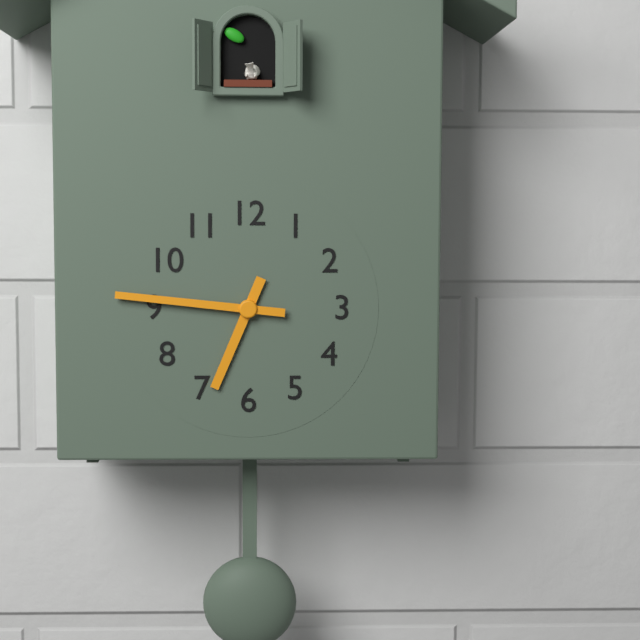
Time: **6:46**
